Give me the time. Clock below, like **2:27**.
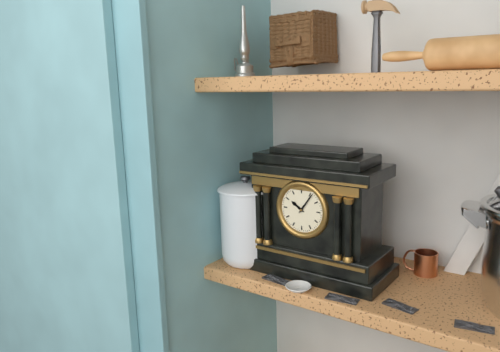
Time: **10:06**
